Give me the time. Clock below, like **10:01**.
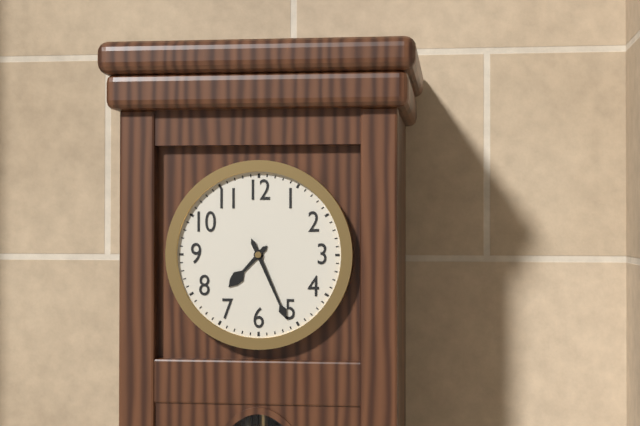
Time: **7:26**
